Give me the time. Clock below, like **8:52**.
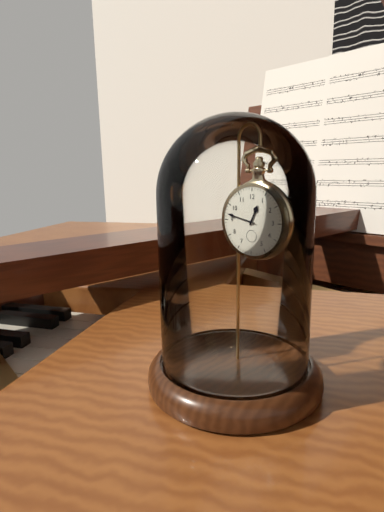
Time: **12:47**
